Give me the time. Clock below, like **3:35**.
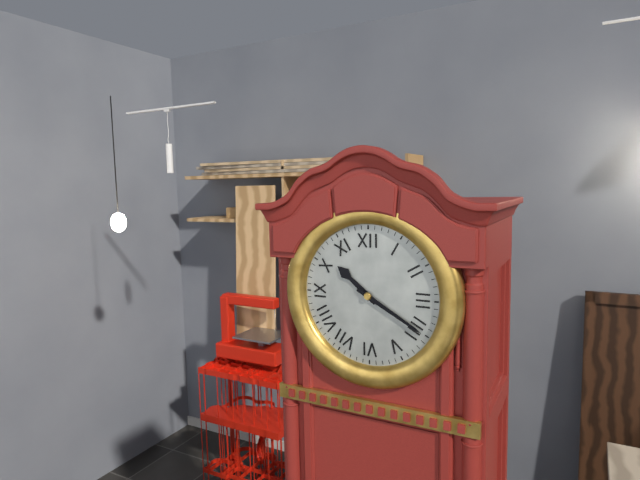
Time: **10:20**
